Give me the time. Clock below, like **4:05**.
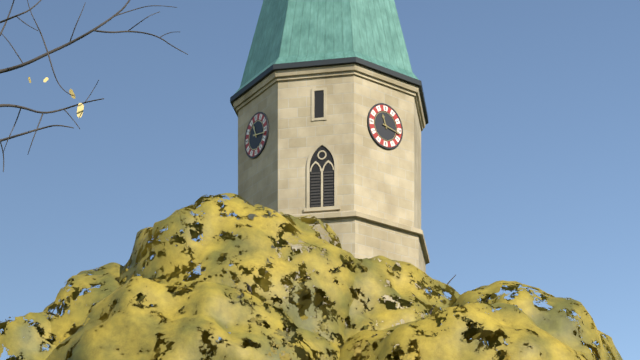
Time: **11:17**
